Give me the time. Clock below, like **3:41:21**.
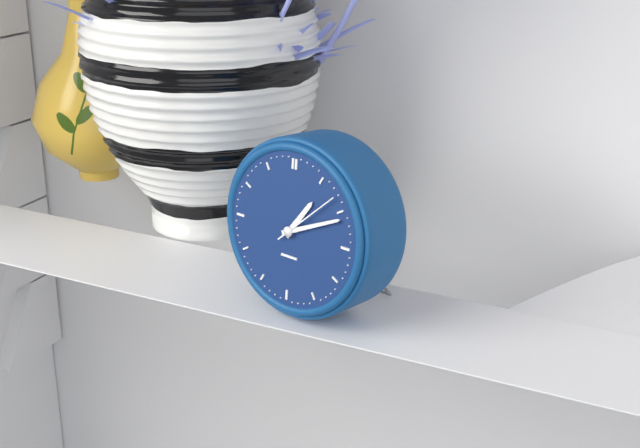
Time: **1:11:08**
